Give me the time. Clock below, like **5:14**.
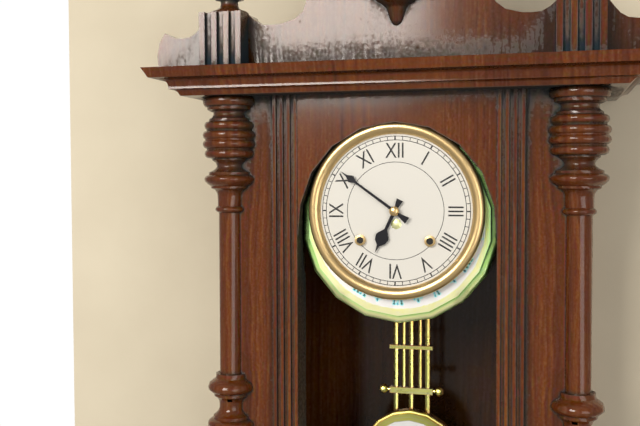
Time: **6:51**
